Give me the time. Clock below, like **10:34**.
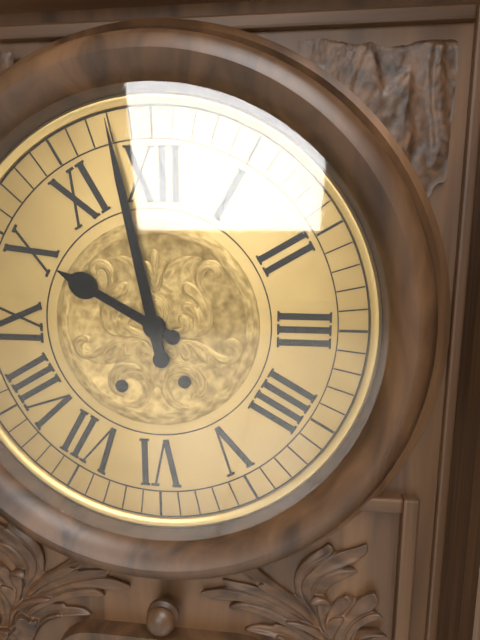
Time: **9:58**
